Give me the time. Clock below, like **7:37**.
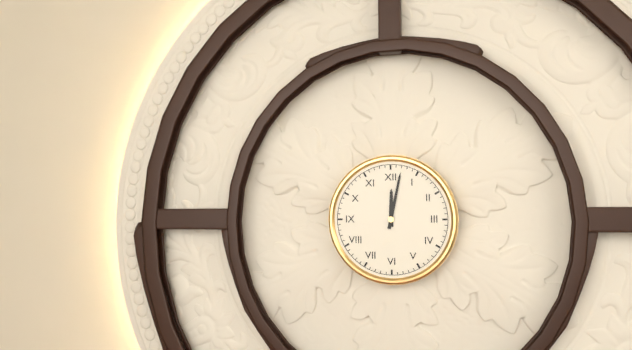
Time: **12:02**
